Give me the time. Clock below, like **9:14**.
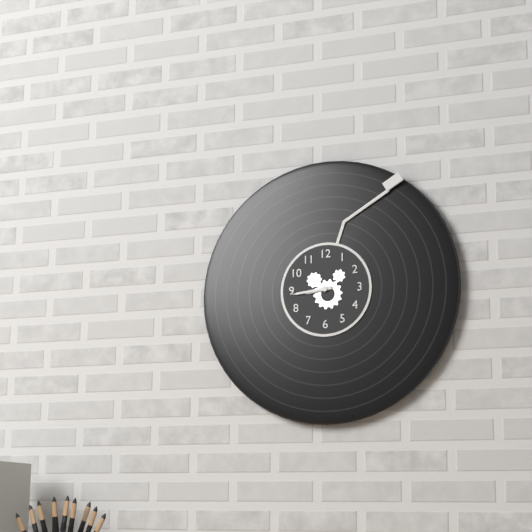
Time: **8:44**
